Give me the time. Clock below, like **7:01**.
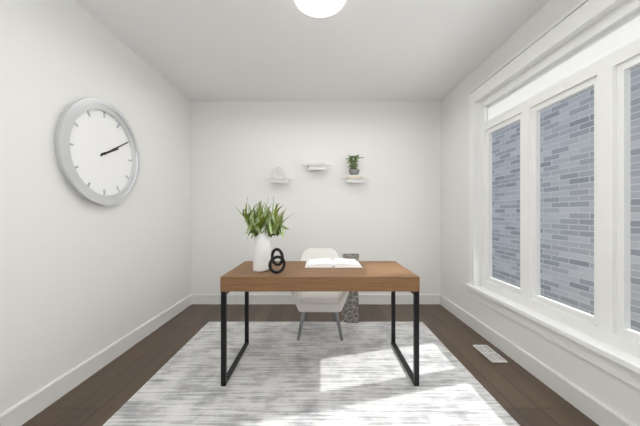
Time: **2:10**
